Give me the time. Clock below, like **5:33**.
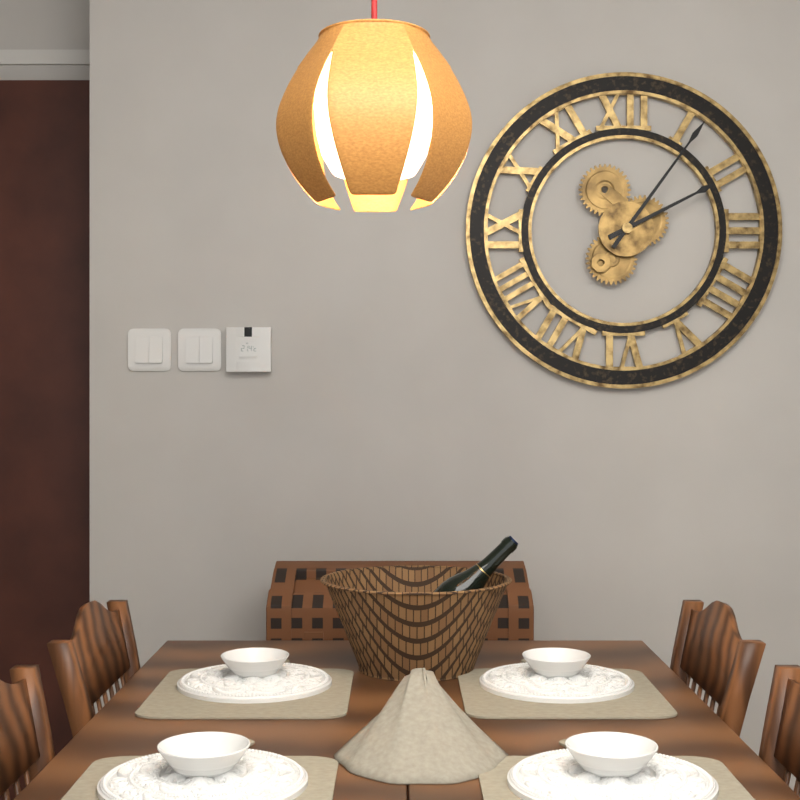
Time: **2:06**
